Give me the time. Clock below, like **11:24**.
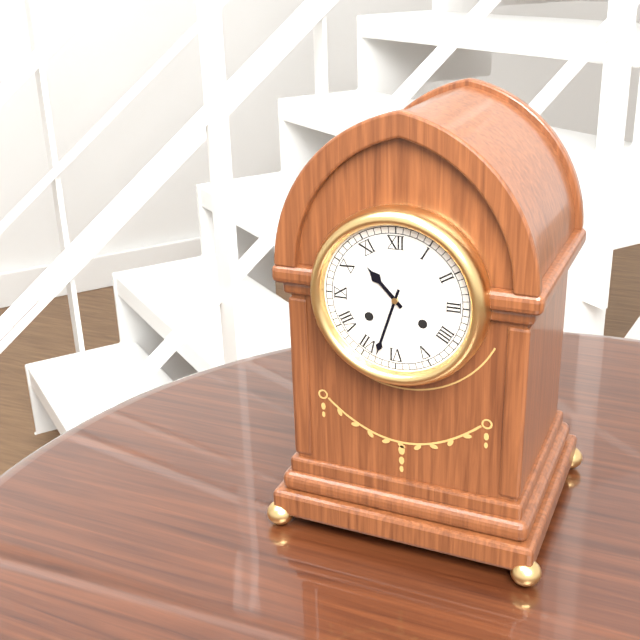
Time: **10:33**
